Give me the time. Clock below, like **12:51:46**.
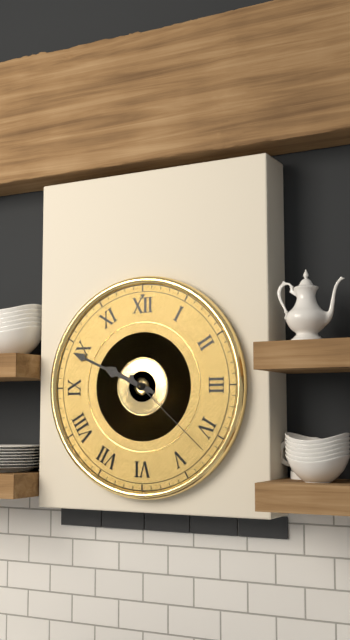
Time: **9:49:22**
